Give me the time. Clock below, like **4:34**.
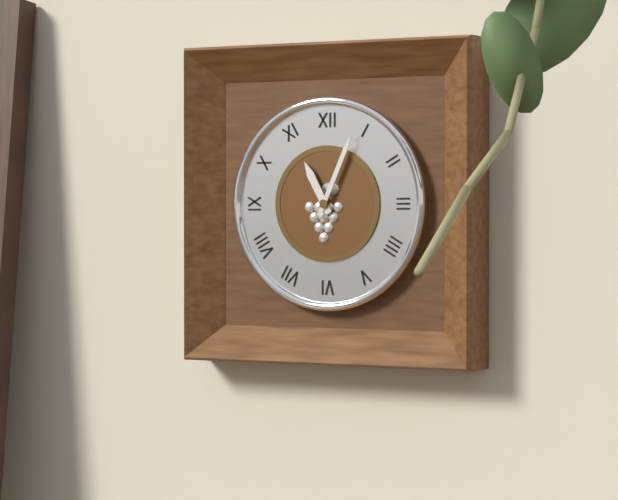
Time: **11:04**
